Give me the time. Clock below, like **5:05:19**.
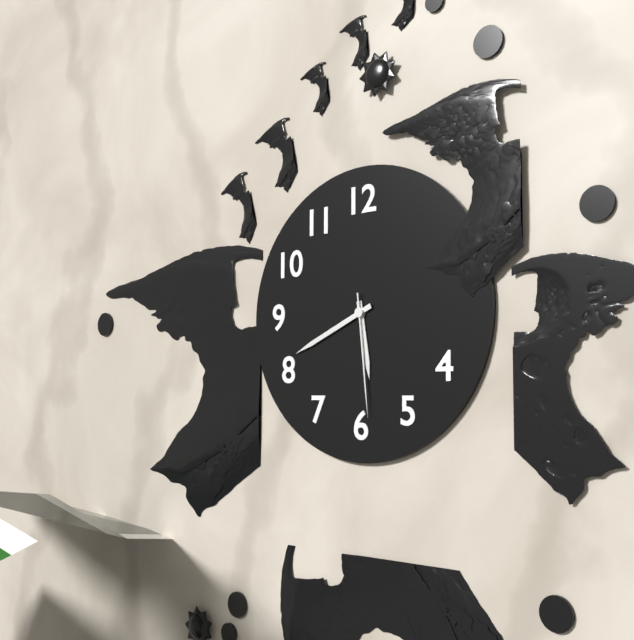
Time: **5:41:29**
